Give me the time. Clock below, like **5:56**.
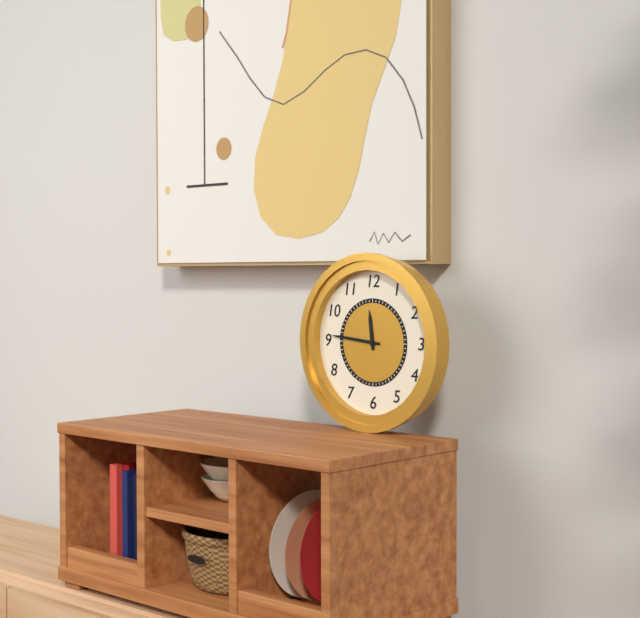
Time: **11:46**
